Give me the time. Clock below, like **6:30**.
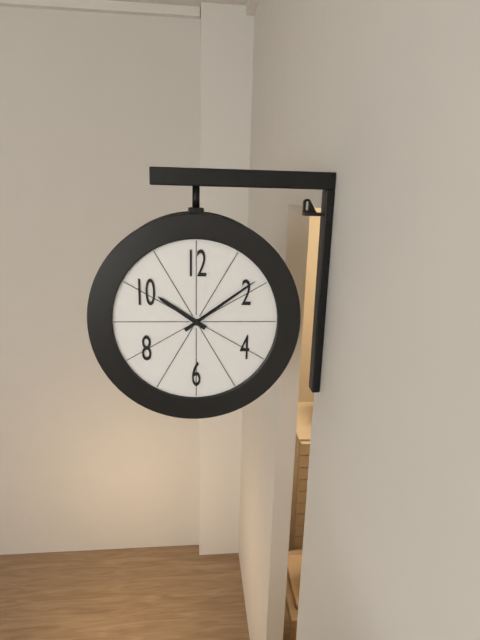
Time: **10:09**
